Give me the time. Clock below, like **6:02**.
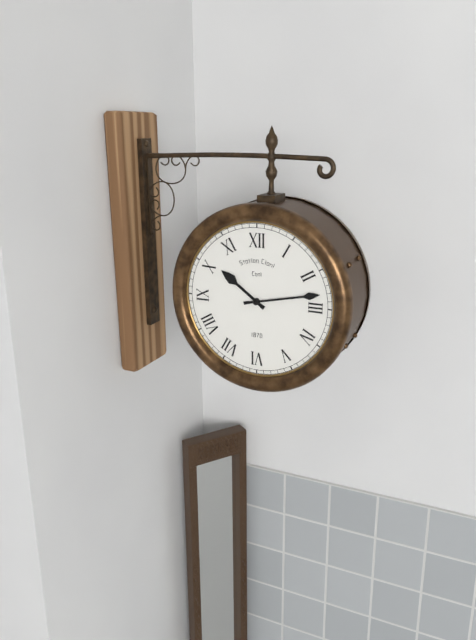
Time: **10:13**
